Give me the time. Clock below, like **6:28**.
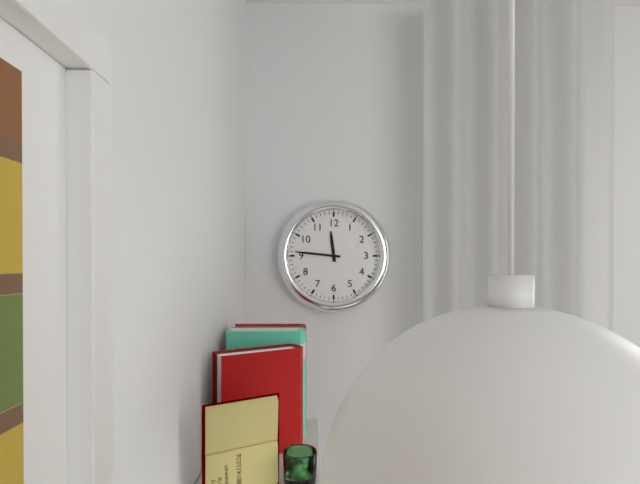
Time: **11:46**
